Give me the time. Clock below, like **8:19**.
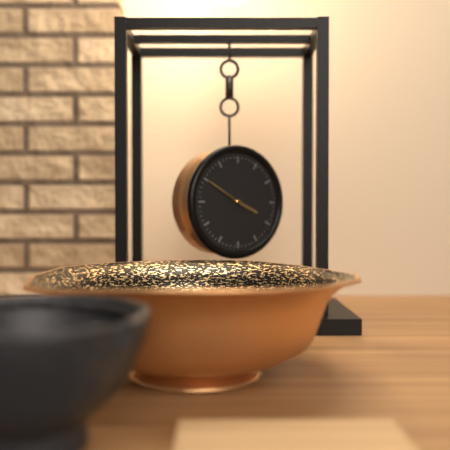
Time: **3:50**
